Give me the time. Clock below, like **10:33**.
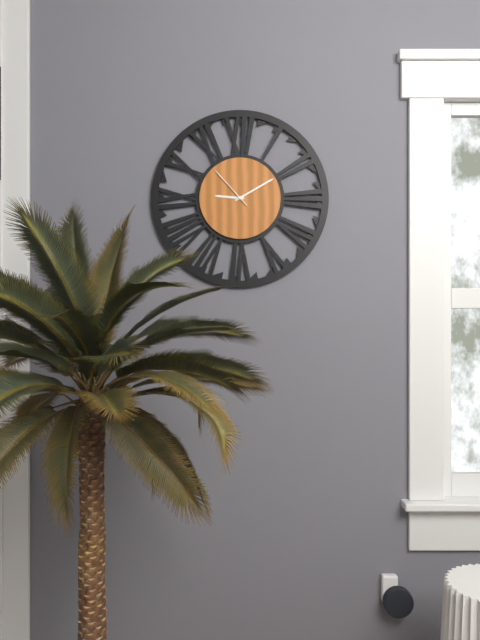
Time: **9:10**
